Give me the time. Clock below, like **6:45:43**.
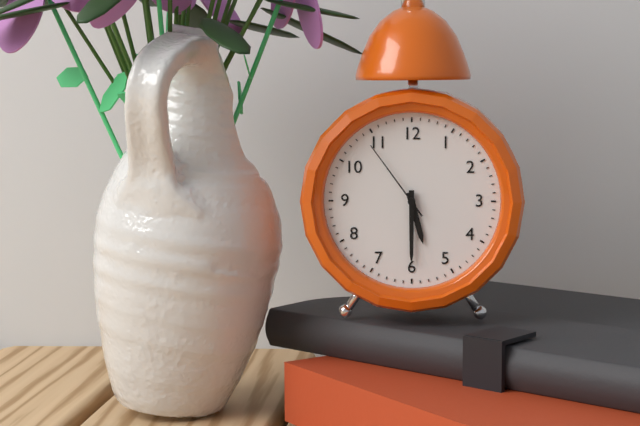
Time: **5:30:54**
